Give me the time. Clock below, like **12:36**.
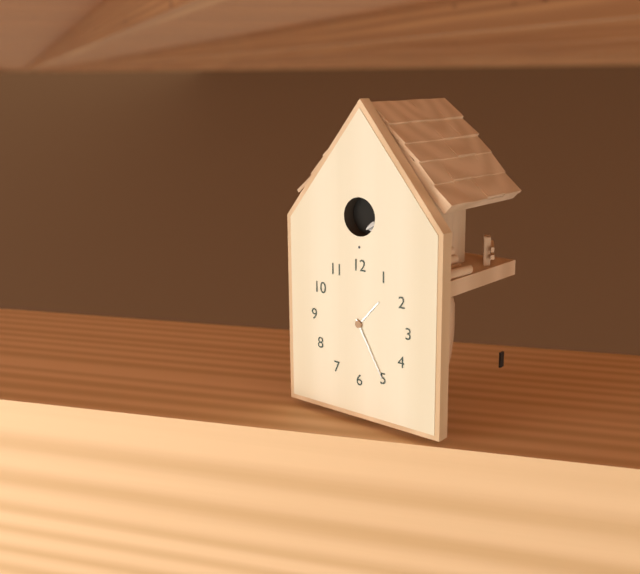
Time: **1:25**
